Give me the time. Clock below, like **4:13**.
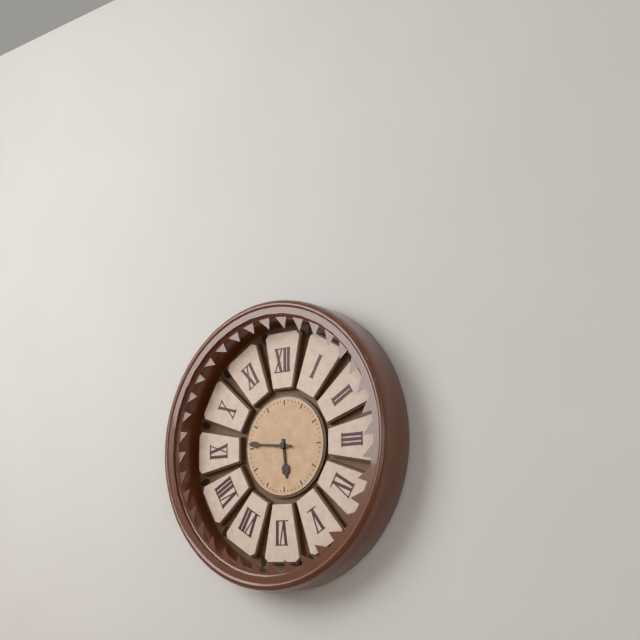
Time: **5:46**
